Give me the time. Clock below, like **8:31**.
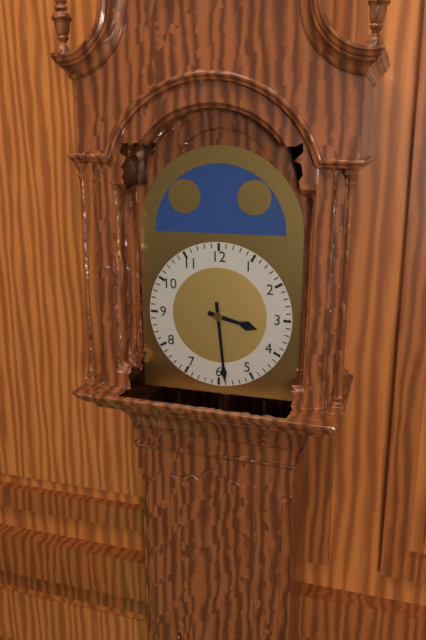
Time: **3:29**
